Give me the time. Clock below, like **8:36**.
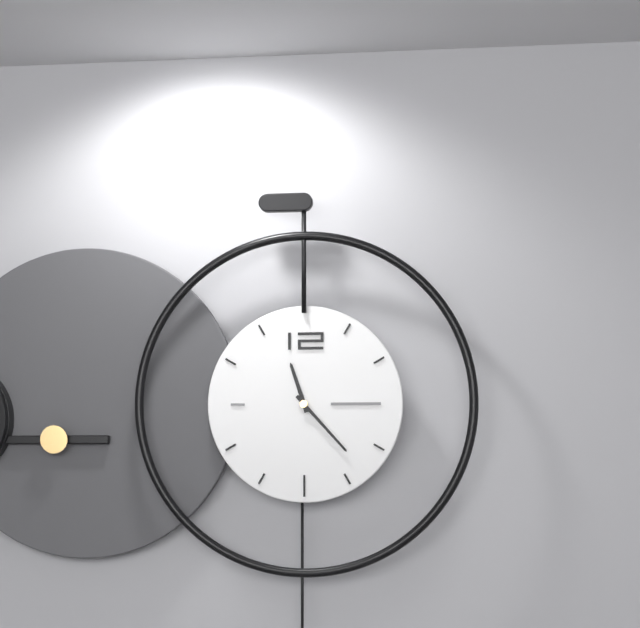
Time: **11:23**
